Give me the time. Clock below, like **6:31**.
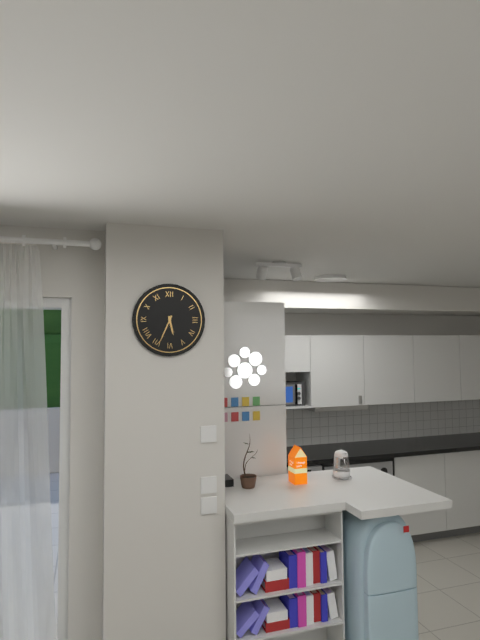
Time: **5:34**
